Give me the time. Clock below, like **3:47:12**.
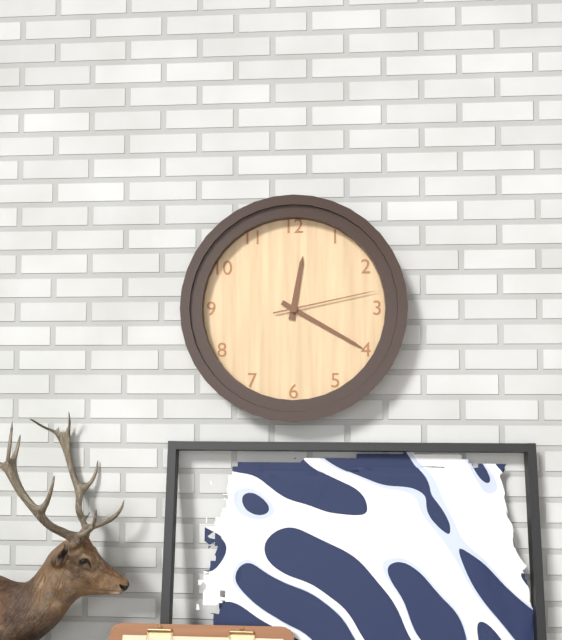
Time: **12:20:13**
